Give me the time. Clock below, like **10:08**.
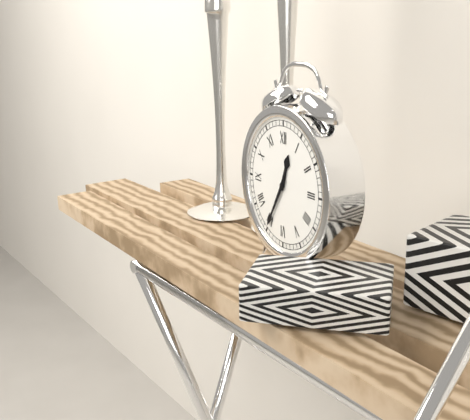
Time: **12:35**
